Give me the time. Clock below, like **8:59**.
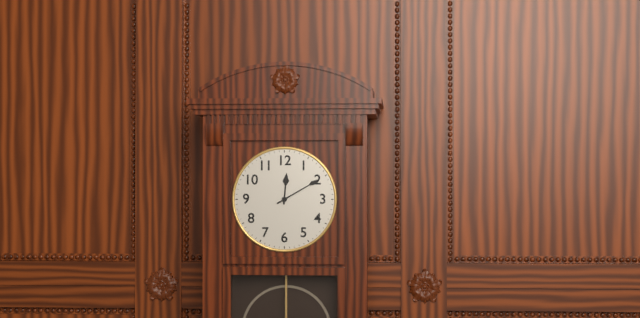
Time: **12:10**
